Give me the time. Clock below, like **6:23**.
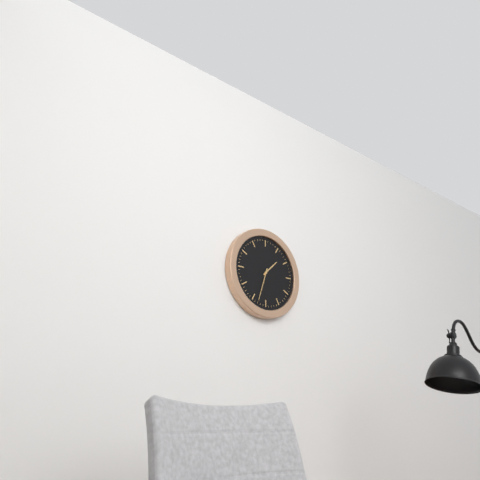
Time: **1:33**
